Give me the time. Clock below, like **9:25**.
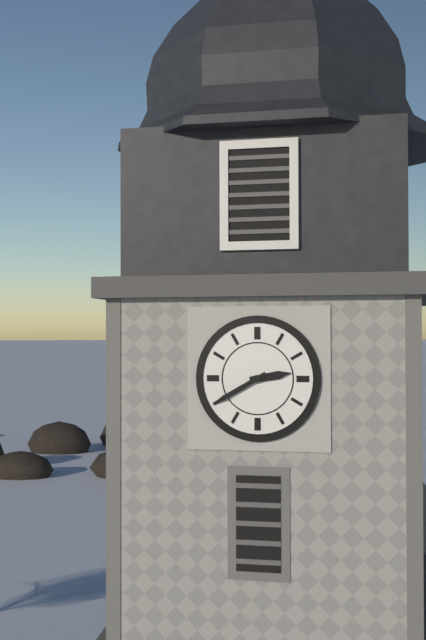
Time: **2:40**
